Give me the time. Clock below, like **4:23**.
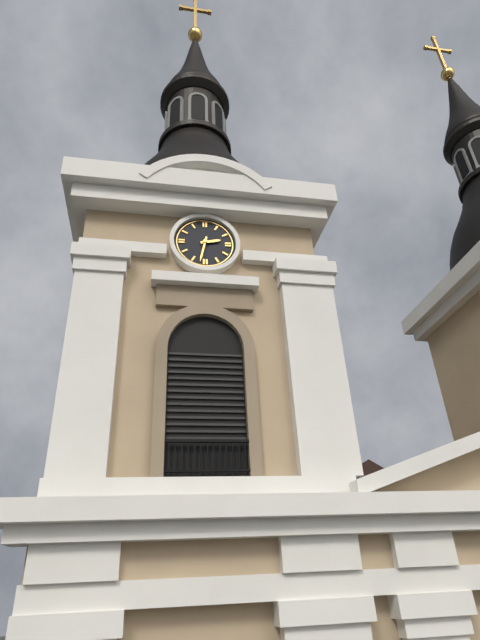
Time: **2:32**
